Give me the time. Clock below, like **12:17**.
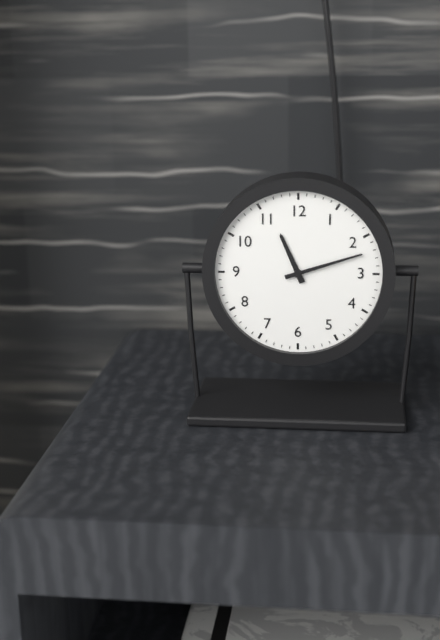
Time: **11:12**
